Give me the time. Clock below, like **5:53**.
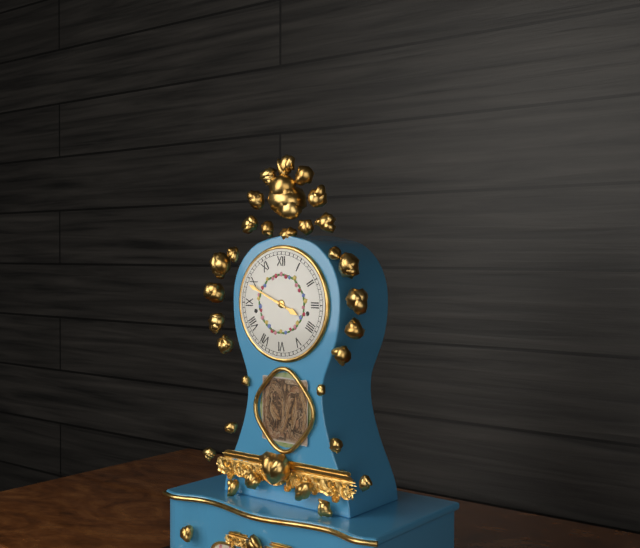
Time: **3:49**
